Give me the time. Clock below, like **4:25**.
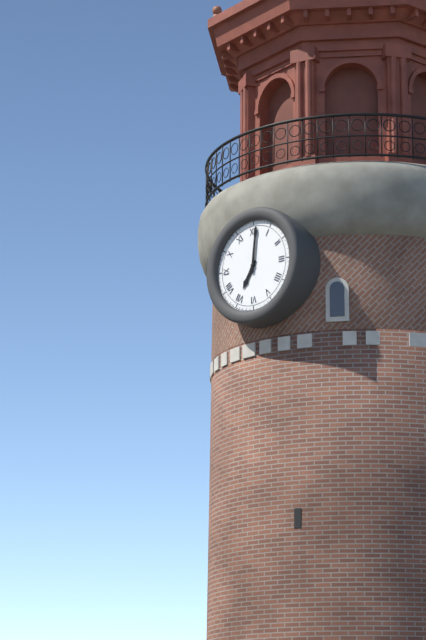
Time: **7:01**
